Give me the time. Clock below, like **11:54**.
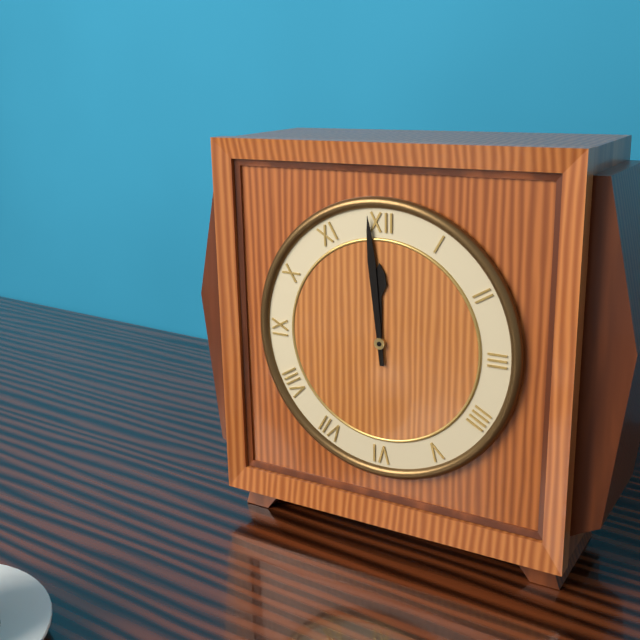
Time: **11:59**
